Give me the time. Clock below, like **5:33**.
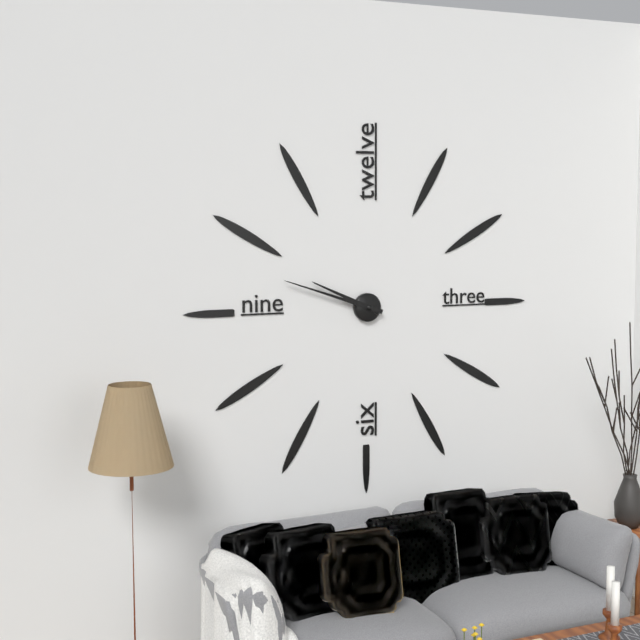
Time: **9:48**
